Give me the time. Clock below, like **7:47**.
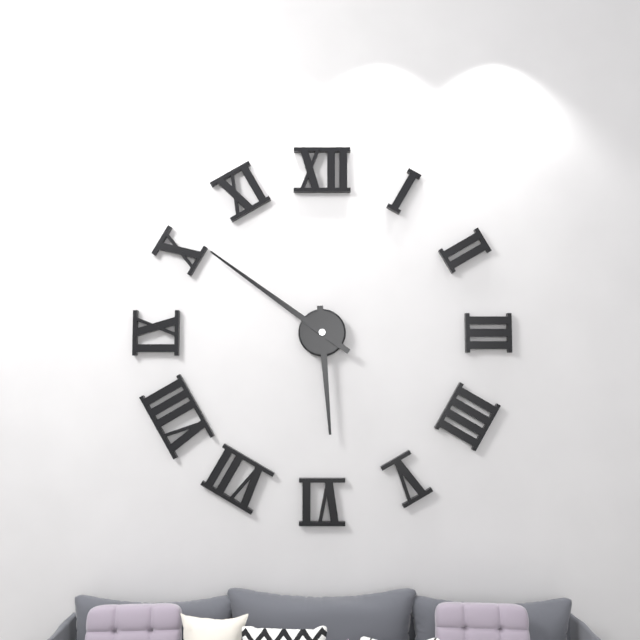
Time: **5:51**
